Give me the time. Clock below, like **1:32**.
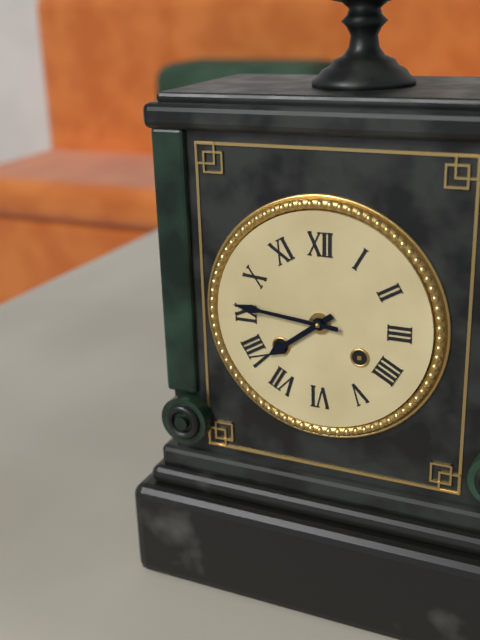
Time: **7:46**
